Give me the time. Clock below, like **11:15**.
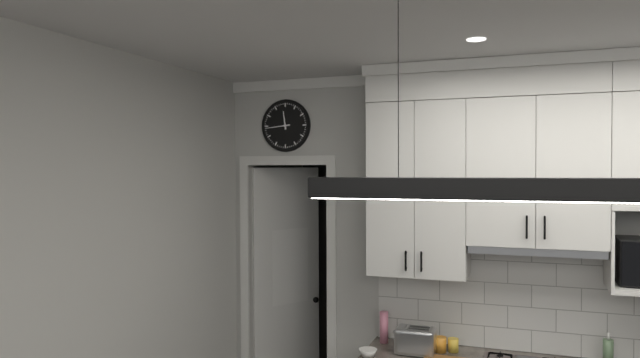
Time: **11:44**
